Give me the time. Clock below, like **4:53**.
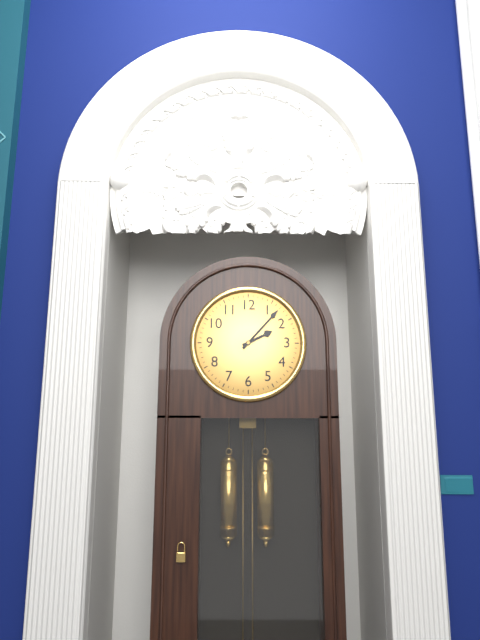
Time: **2:07**
